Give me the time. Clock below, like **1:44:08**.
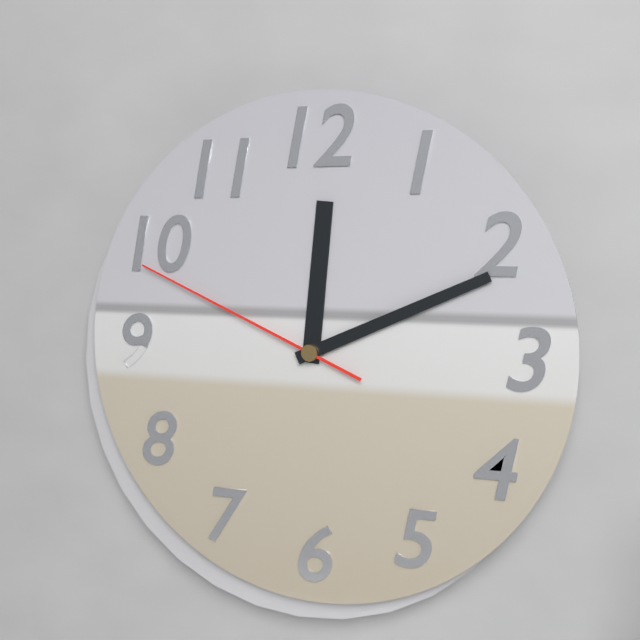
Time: **12:11:49**
